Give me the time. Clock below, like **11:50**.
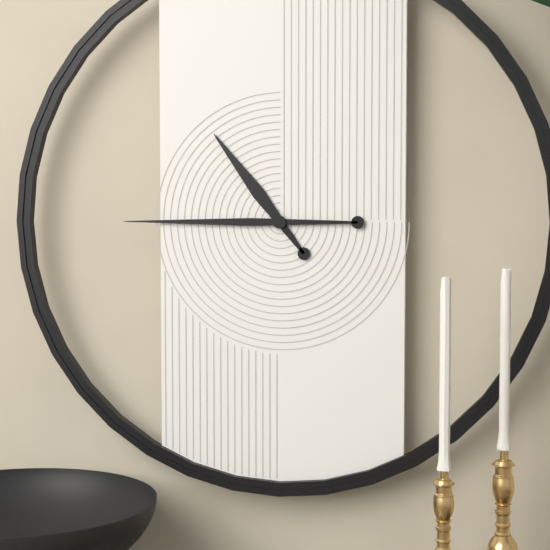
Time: **10:45**
